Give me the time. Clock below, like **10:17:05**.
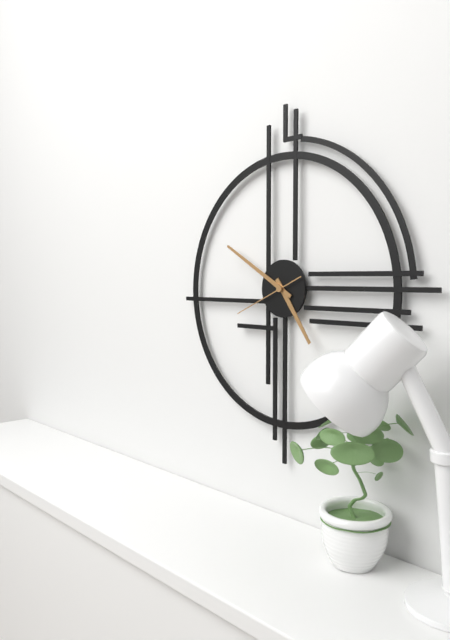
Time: **4:50:41**
